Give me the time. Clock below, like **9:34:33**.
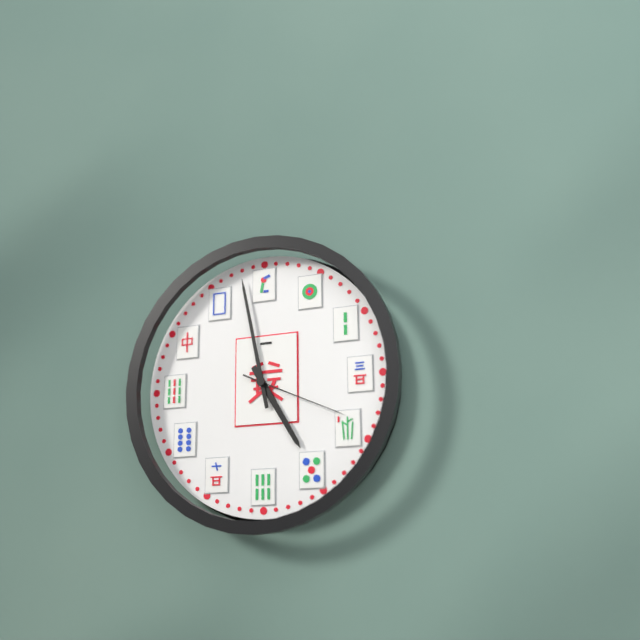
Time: **4:58:19**
